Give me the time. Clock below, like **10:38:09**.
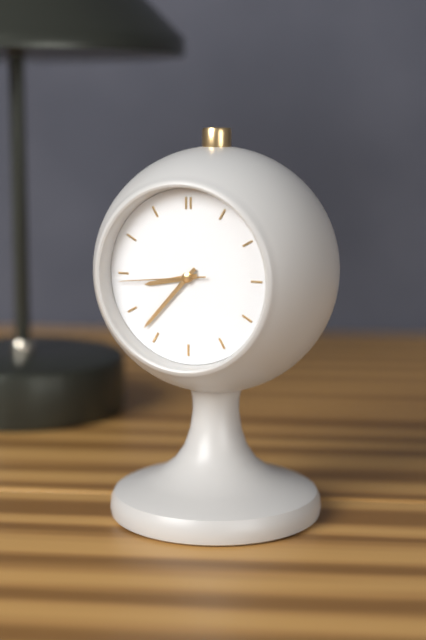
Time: **8:37:44**
